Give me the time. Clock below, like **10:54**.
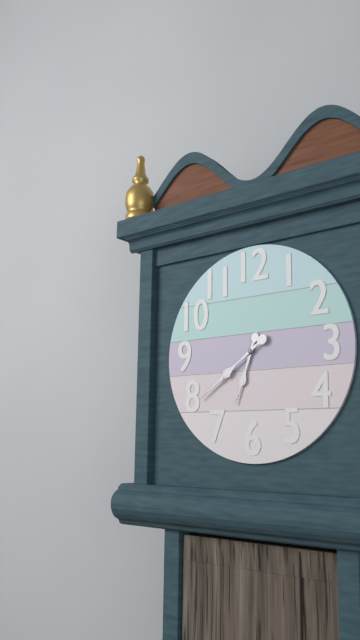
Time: **6:39**
